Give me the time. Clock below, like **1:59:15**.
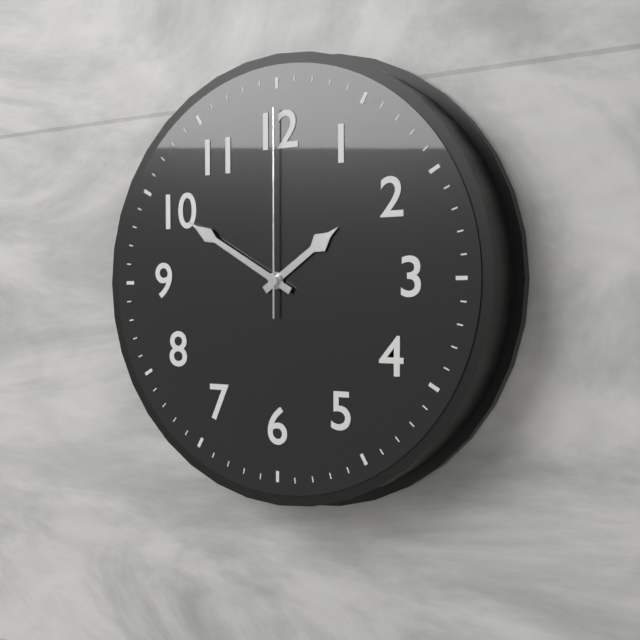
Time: **1:50:00**
